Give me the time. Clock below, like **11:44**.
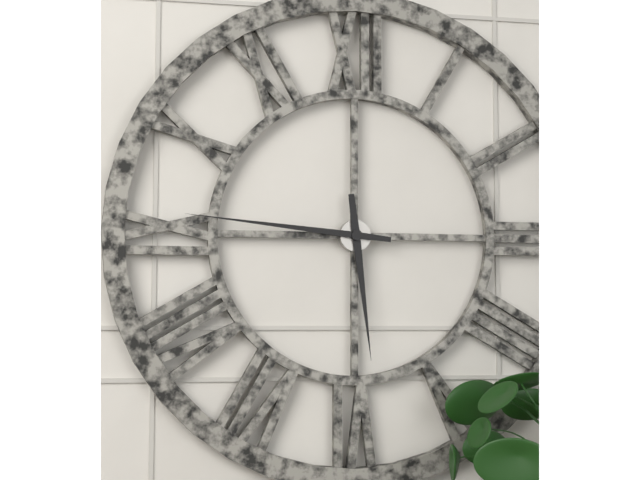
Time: **5:46**
